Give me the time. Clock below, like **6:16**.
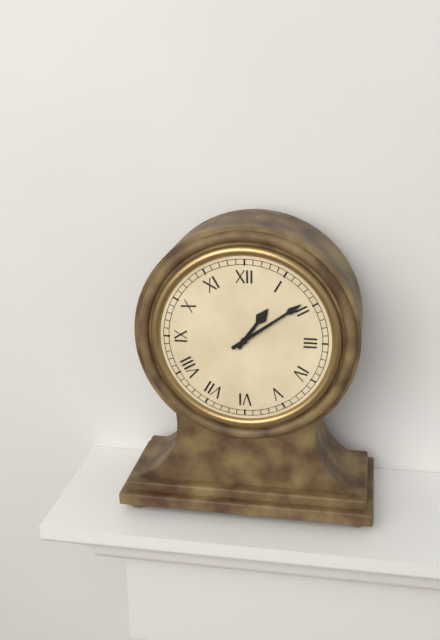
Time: **1:09**
